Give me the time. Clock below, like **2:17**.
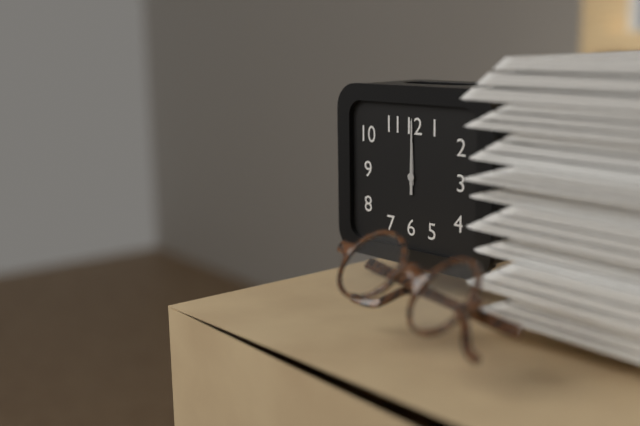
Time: **12:00**
